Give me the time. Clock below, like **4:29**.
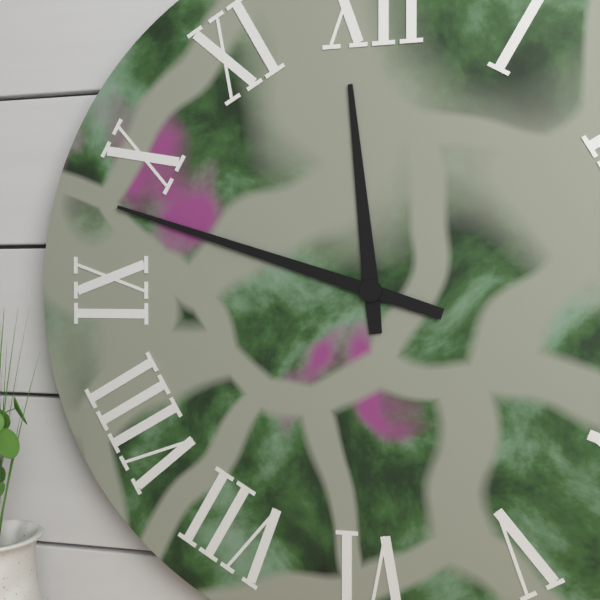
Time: **11:48**
